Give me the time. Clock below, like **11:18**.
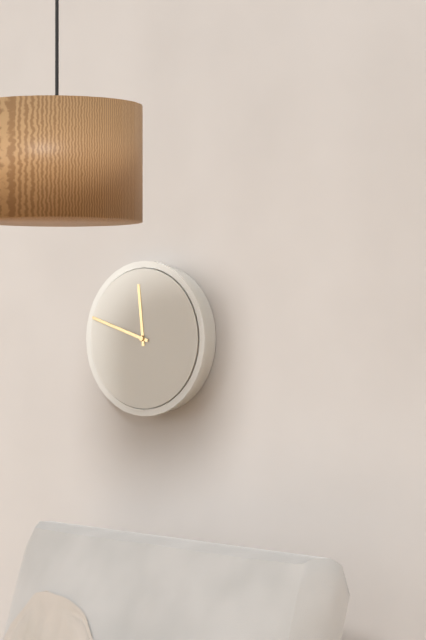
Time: **11:48**
